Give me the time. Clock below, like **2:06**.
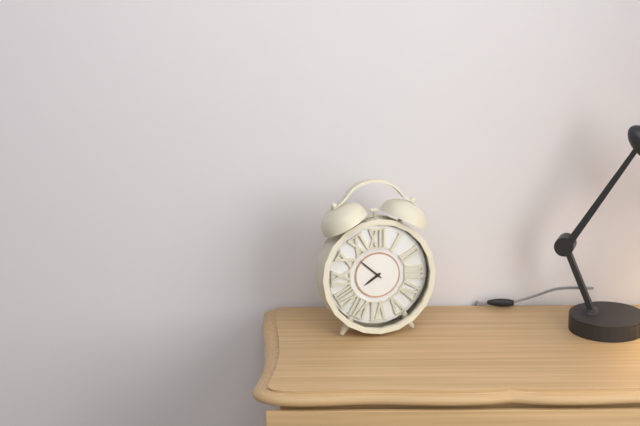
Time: **7:52**
